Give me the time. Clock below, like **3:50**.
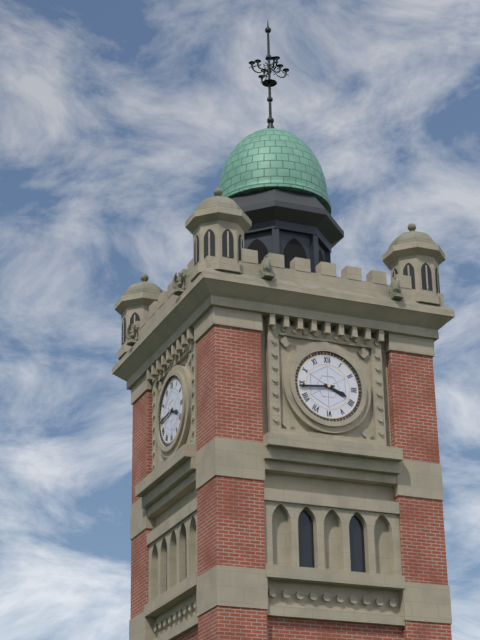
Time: **3:44**
